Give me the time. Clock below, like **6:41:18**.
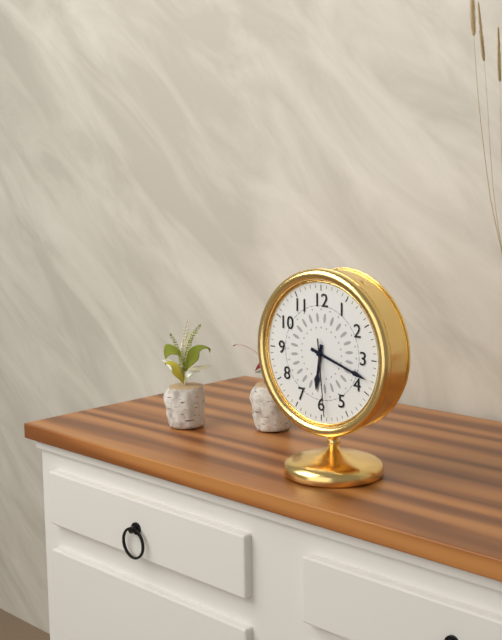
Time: **6:18:29**
